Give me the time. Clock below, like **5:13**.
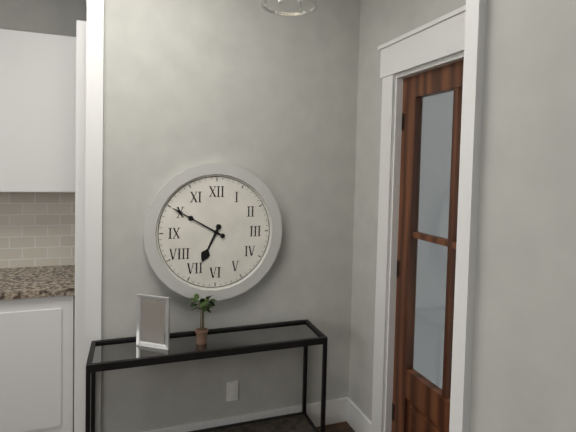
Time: **6:50**
